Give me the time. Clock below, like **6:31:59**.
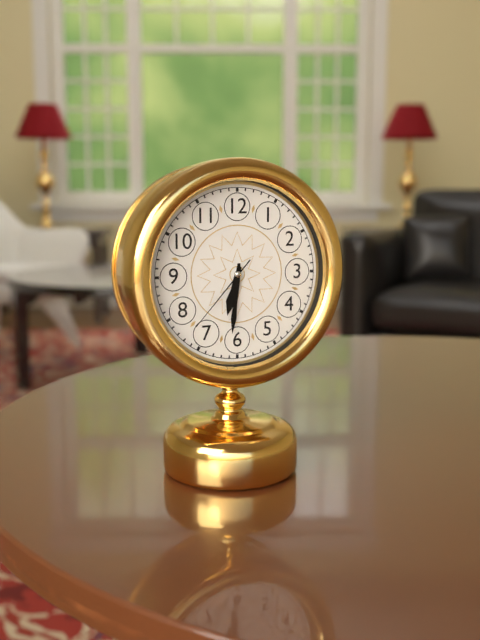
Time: **6:31:37**
